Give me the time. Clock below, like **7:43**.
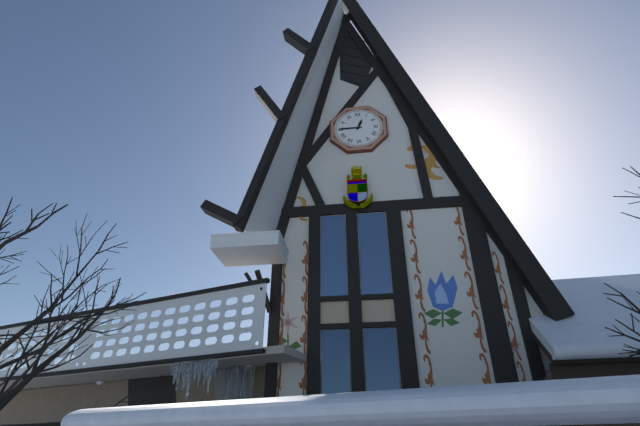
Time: **12:45**
